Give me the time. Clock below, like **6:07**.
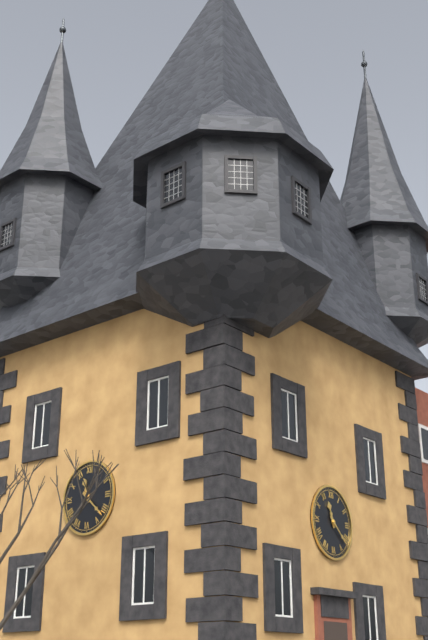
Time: **11:22**
